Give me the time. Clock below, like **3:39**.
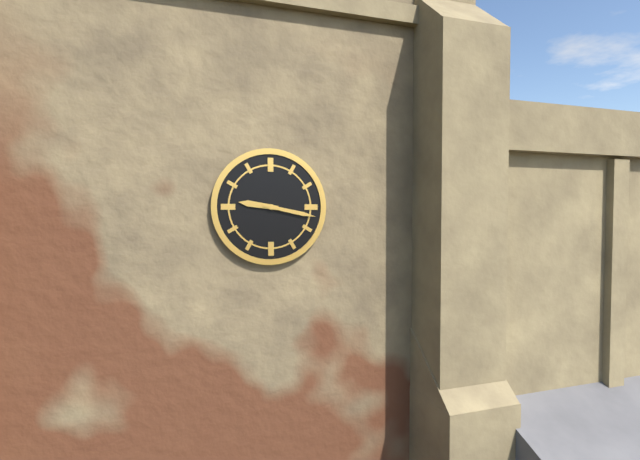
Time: **9:17**
